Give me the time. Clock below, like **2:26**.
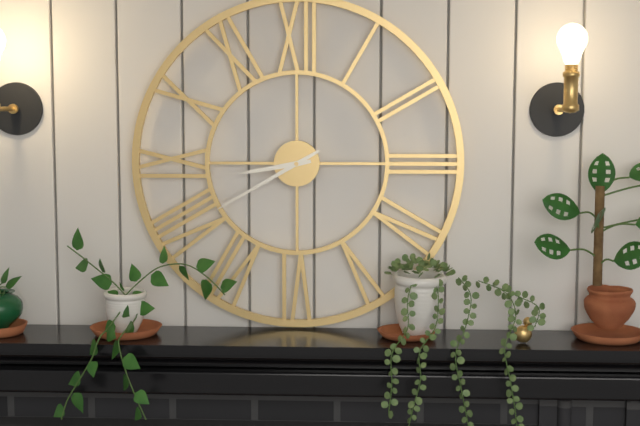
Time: **8:40**
